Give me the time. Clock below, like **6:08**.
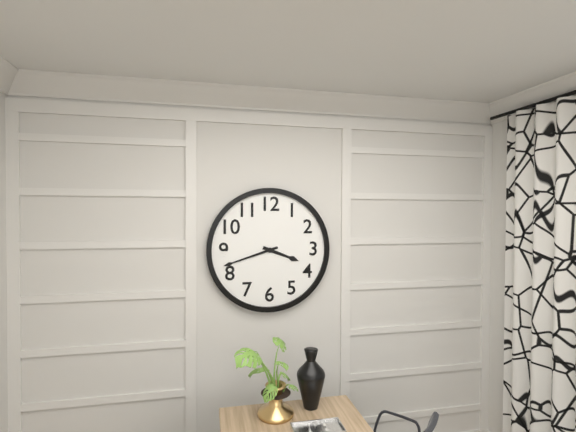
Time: **3:42**
